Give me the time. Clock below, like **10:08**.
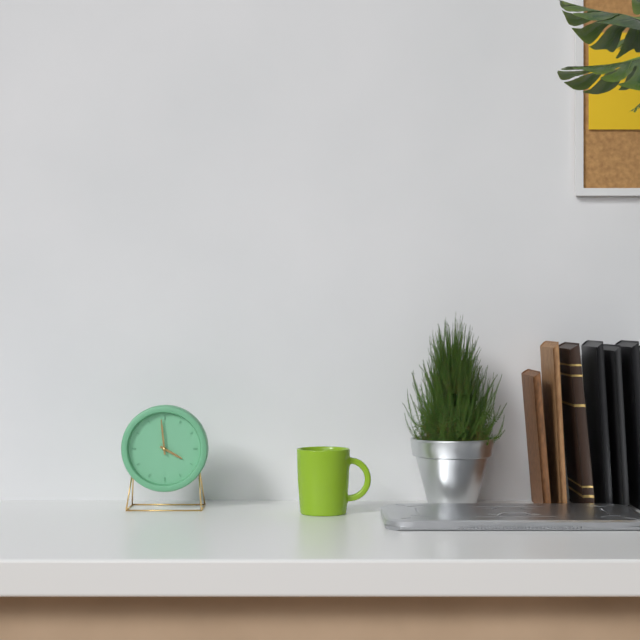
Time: **3:59**
